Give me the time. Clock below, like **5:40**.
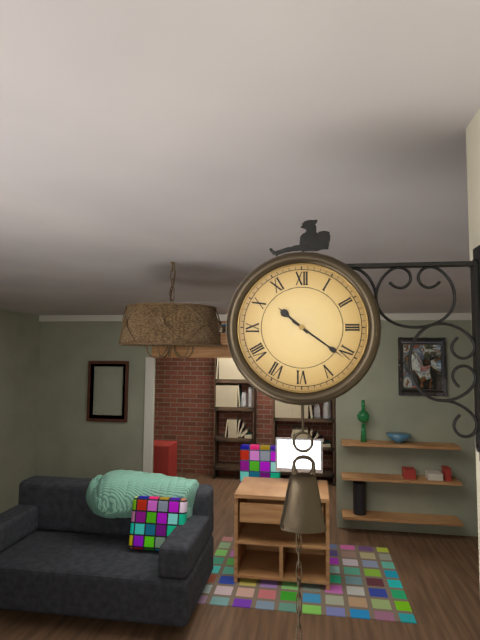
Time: **10:21**
